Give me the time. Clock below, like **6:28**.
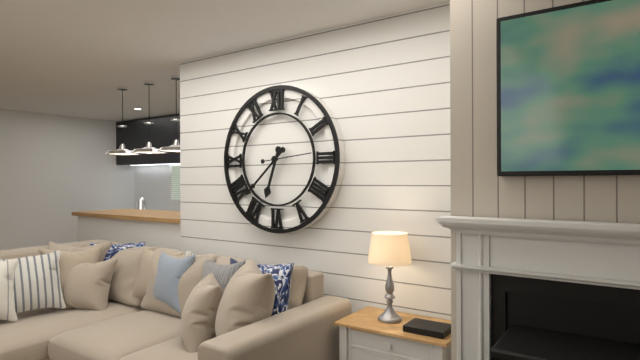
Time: **6:38**
